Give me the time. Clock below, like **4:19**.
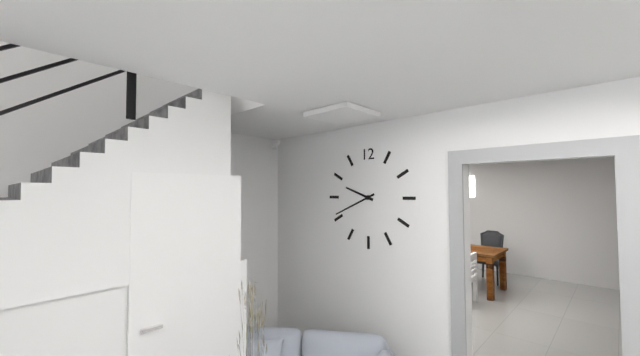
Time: **9:41**
